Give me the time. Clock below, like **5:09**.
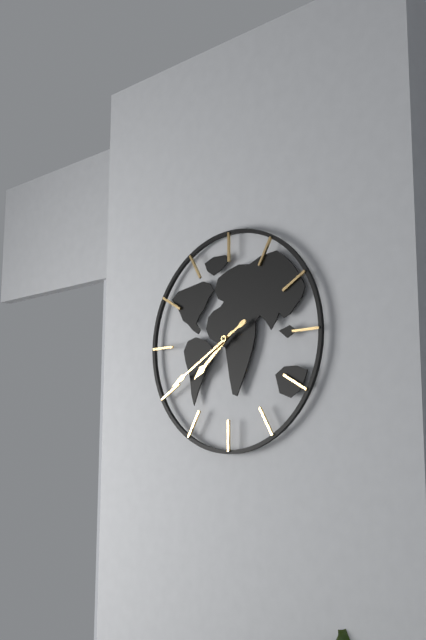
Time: **7:40**
